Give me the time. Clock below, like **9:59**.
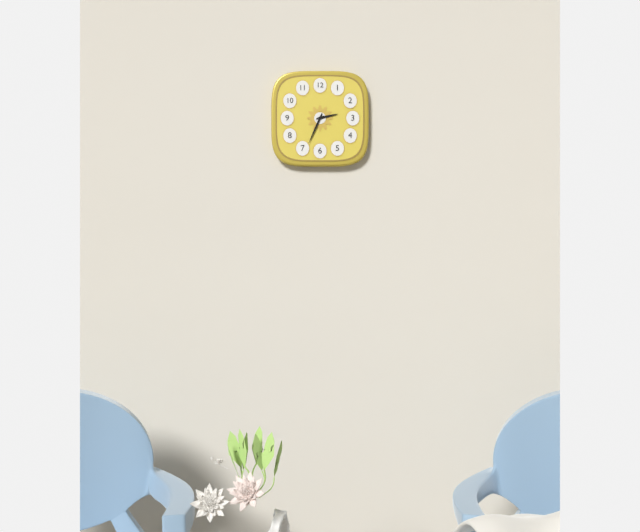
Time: **2:34**
